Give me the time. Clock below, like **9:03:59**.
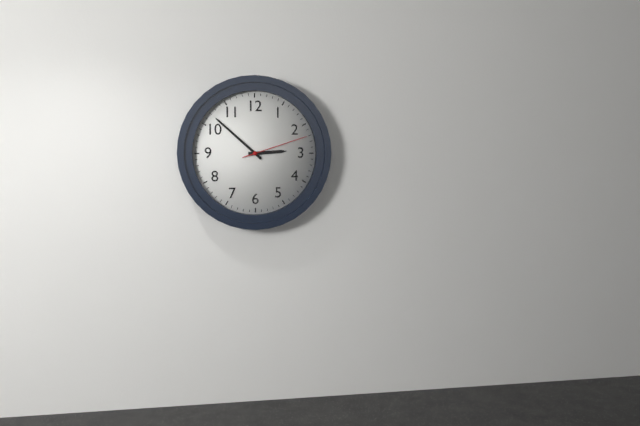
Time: **2:52:12**
